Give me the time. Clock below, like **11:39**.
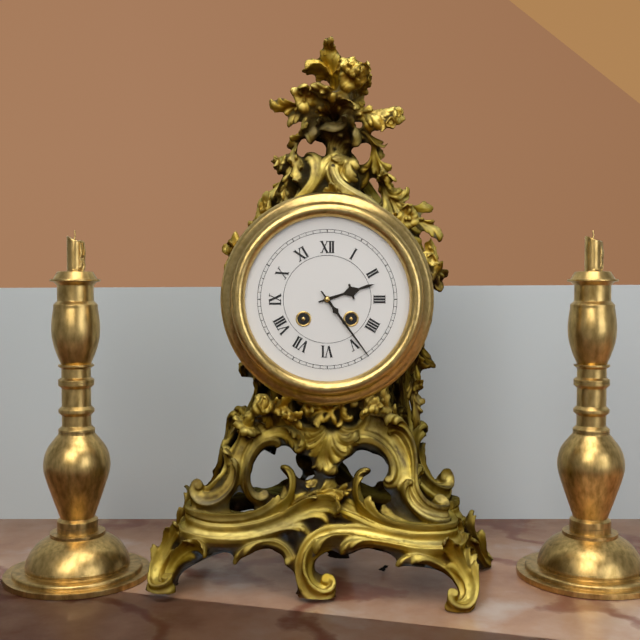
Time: **2:24**
